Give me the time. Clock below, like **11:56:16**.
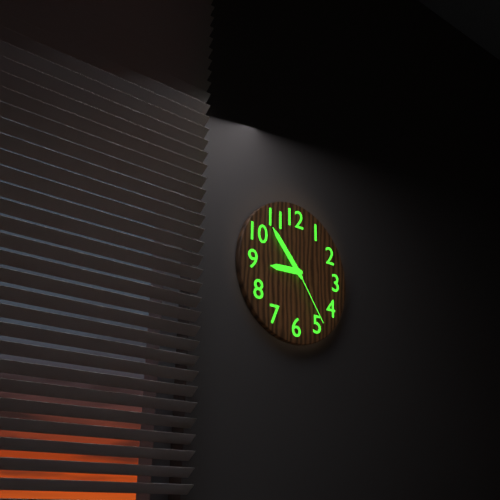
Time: **8:53:24**
